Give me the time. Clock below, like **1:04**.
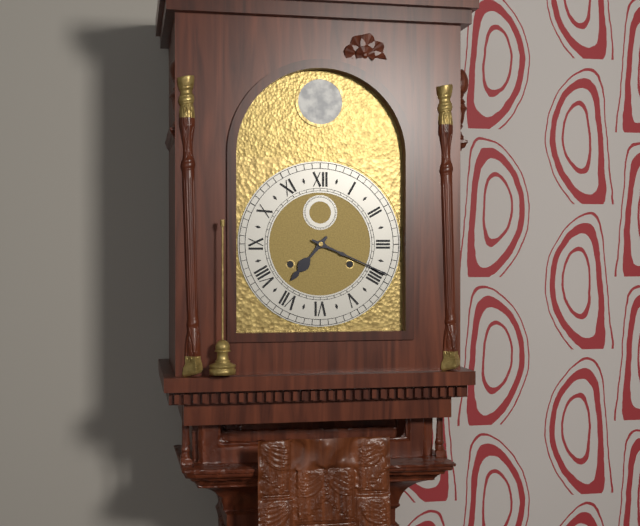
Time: **7:19**
